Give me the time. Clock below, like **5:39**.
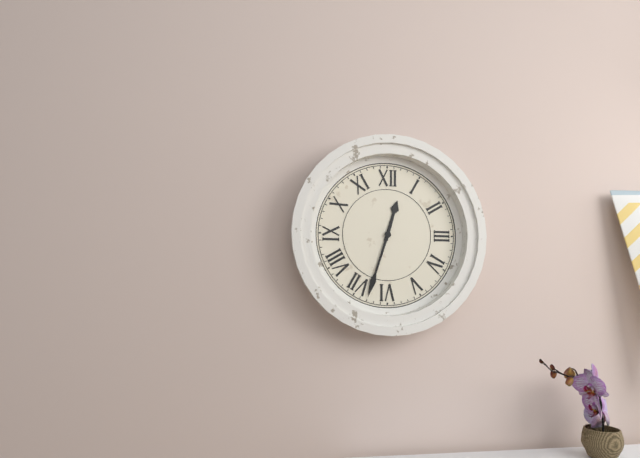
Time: **12:33**
